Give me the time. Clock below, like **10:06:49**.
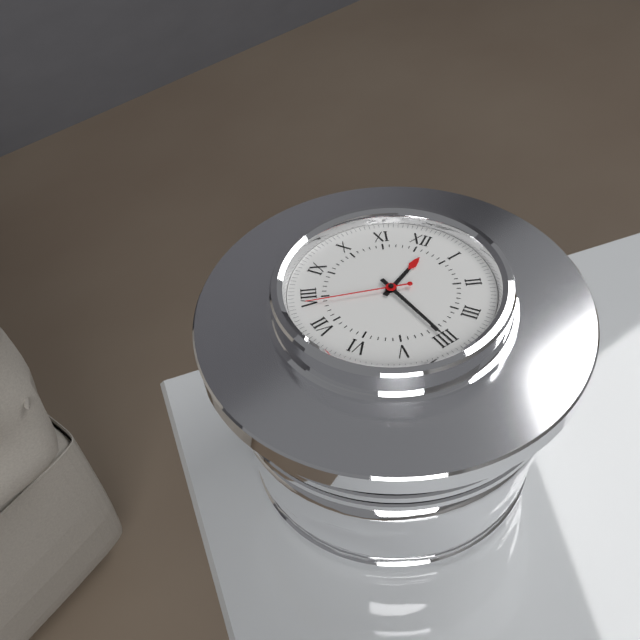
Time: **12:20:39**
